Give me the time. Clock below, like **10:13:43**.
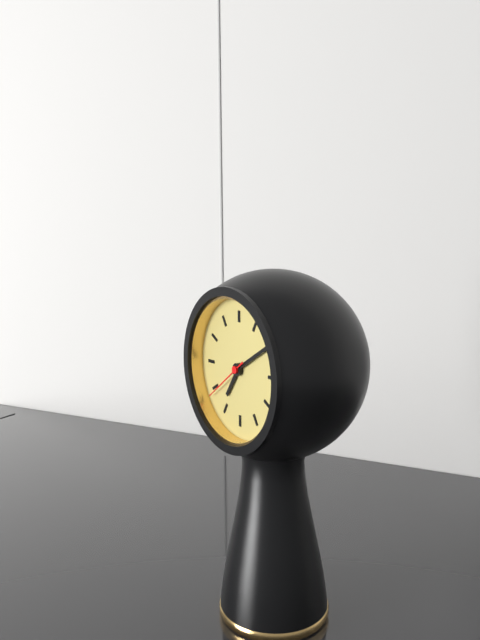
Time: **7:10:39**
